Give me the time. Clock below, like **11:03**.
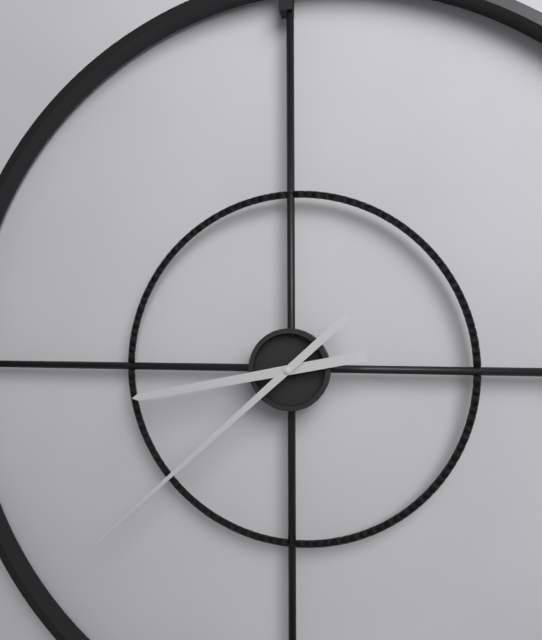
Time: **8:38**
